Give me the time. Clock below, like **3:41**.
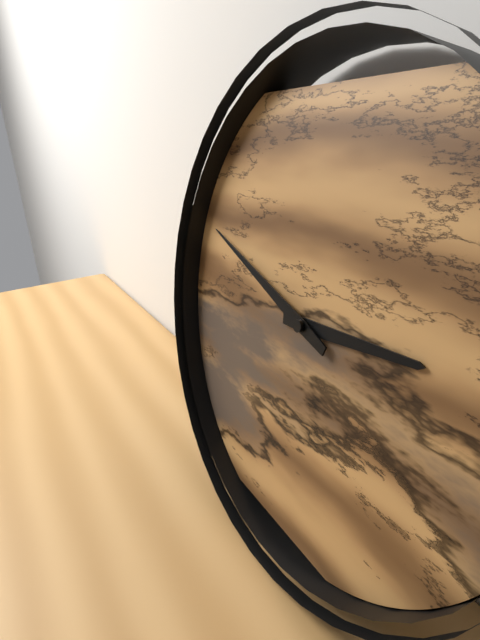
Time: **2:48**
